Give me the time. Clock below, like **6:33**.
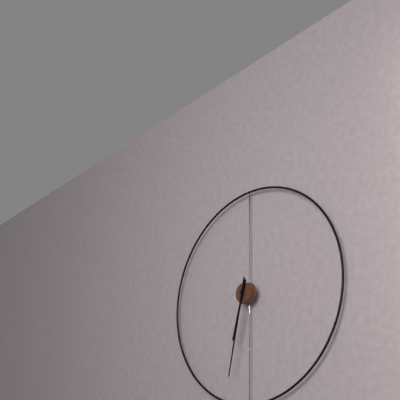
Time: **6:32**
